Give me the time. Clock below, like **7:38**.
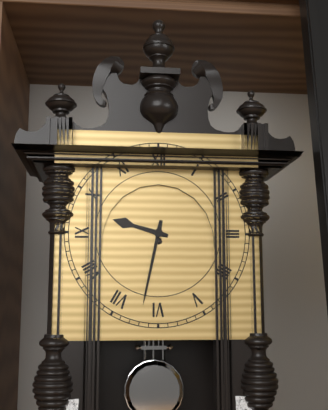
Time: **9:32**
